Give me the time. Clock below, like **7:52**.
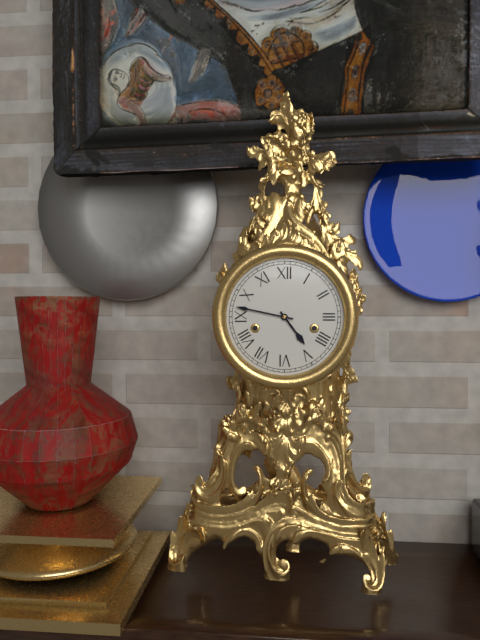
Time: **4:47**
